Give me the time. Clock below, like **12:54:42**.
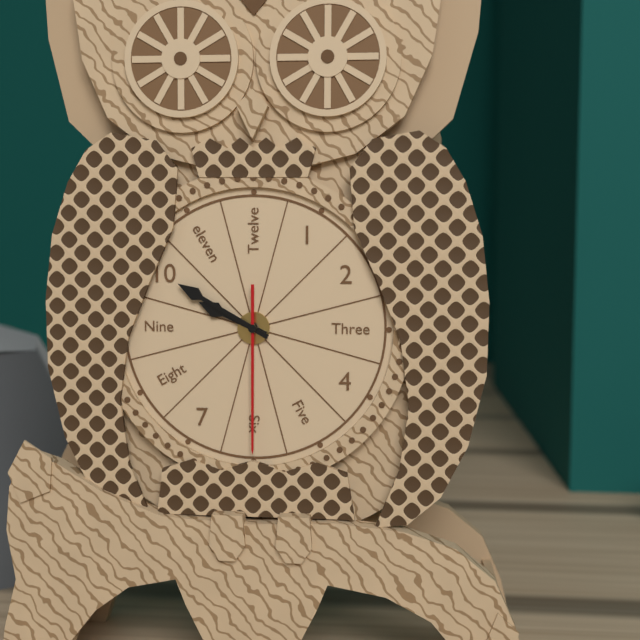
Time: **9:50:30**
